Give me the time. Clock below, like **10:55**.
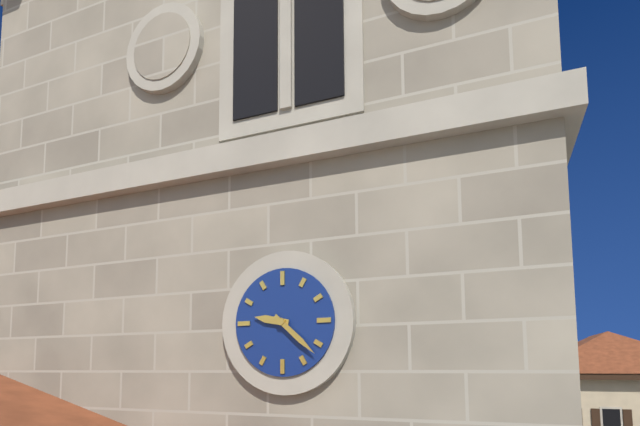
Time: **9:22**
